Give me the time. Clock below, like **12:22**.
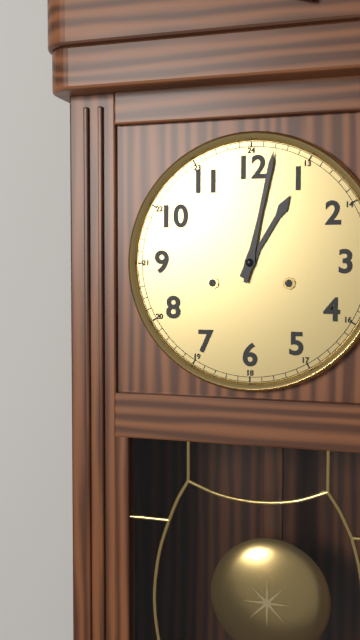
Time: **1:02**
